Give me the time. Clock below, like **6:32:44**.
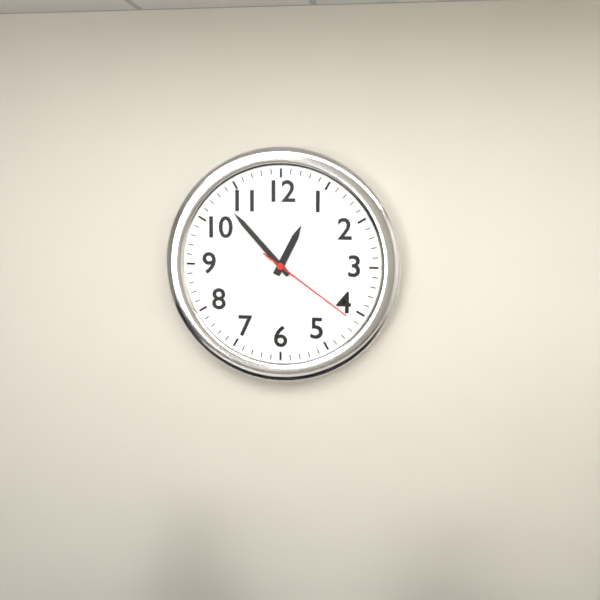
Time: **12:53:21**
